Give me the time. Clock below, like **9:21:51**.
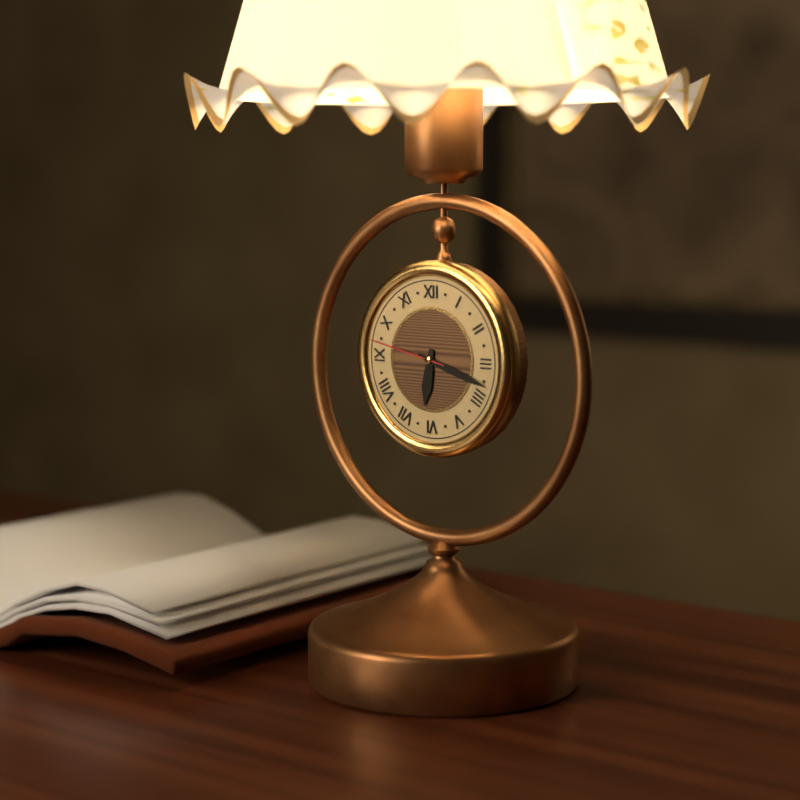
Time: **6:18:47**
